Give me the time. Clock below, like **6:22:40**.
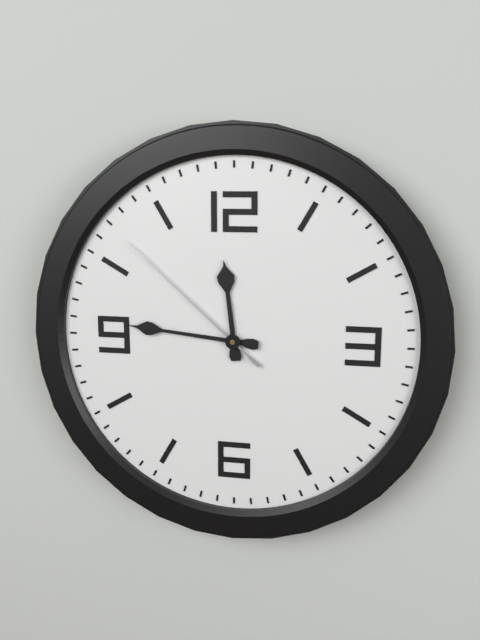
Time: **11:46:52**
